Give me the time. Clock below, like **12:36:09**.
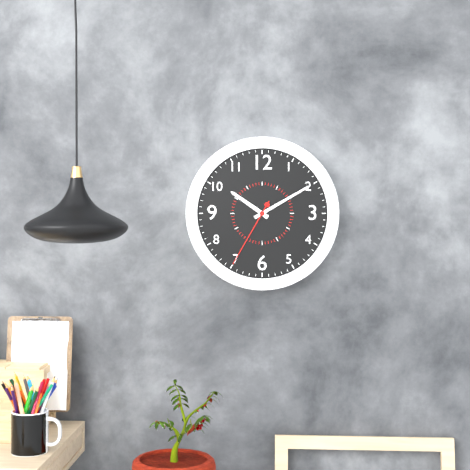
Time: **10:10:35**
